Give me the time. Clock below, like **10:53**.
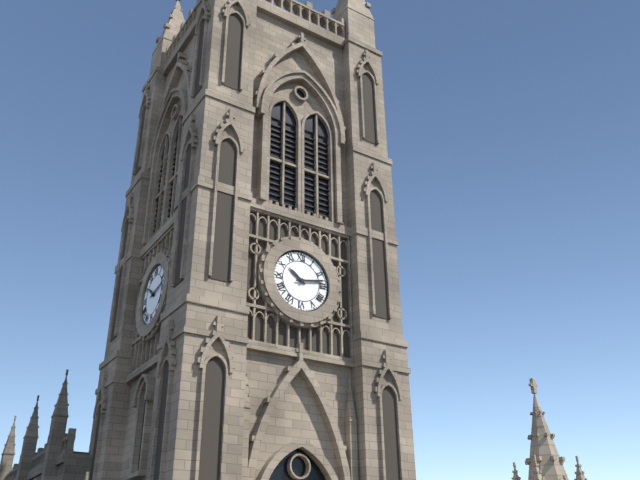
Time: **10:13**
